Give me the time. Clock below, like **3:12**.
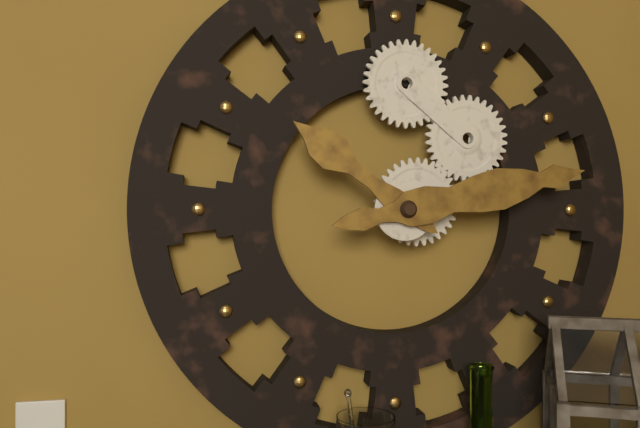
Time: **10:13**
